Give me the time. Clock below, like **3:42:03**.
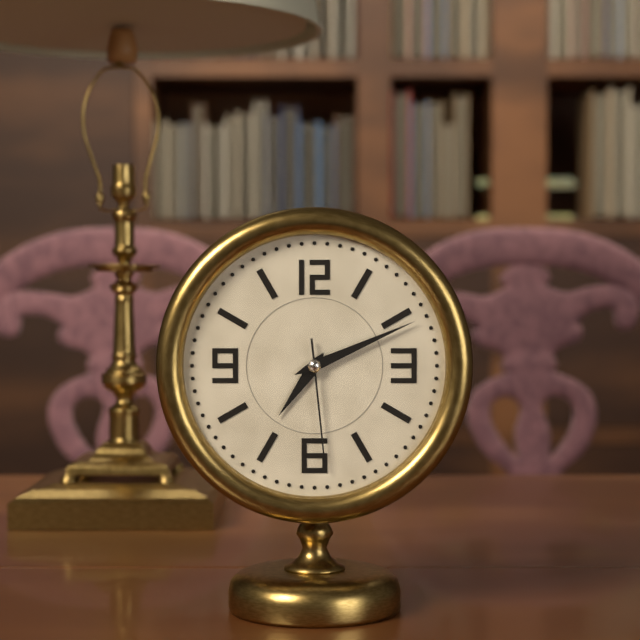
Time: **7:11:29**
